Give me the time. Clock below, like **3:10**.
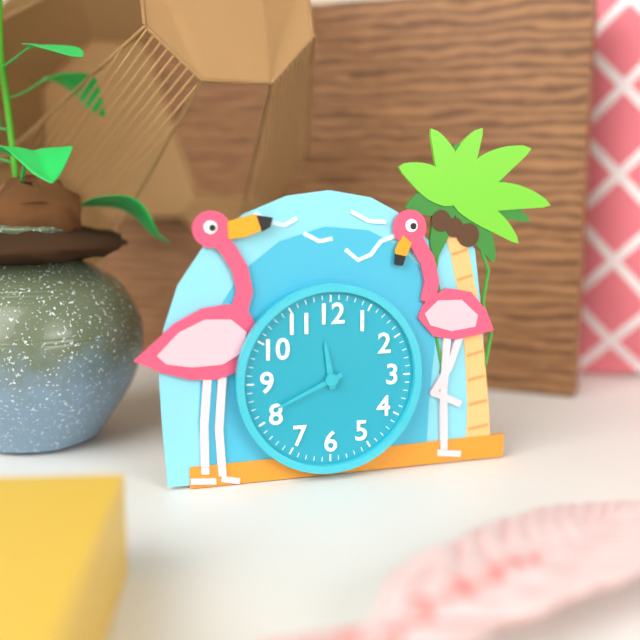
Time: **11:41**
